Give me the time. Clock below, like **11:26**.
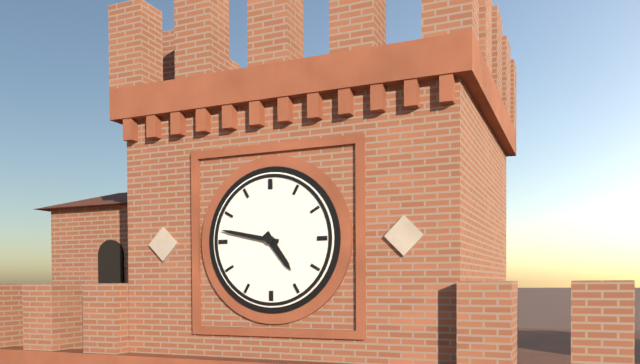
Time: **4:47**
